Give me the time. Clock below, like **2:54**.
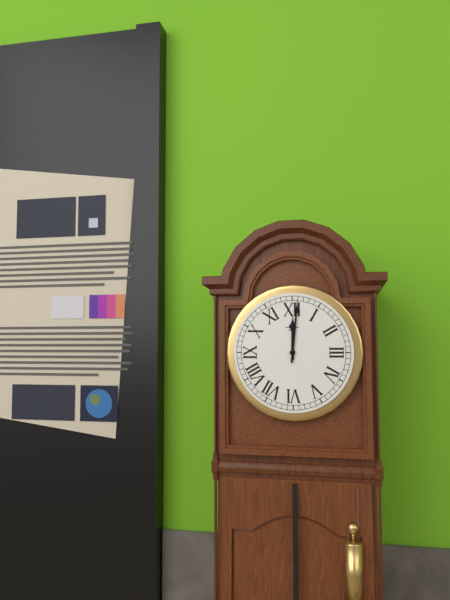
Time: **12:01**
